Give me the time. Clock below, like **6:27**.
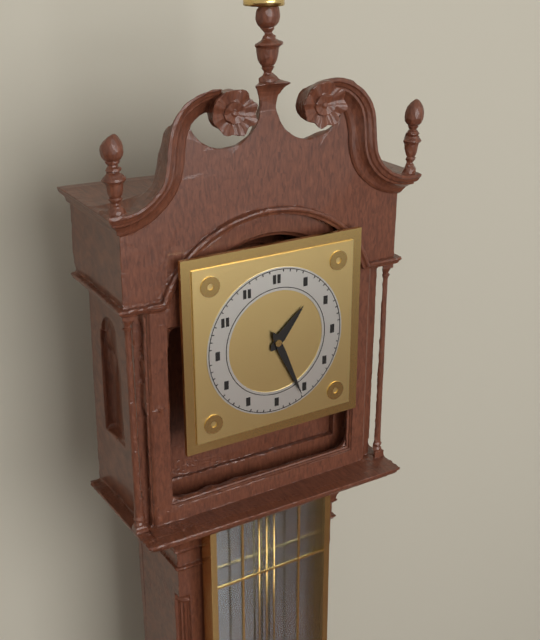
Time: **1:26**
